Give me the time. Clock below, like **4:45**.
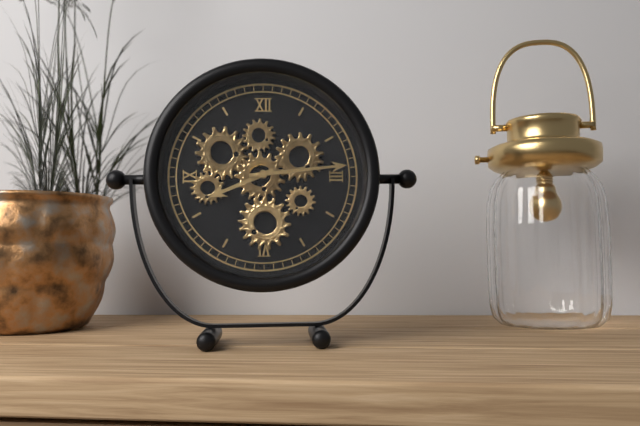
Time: **8:14**
